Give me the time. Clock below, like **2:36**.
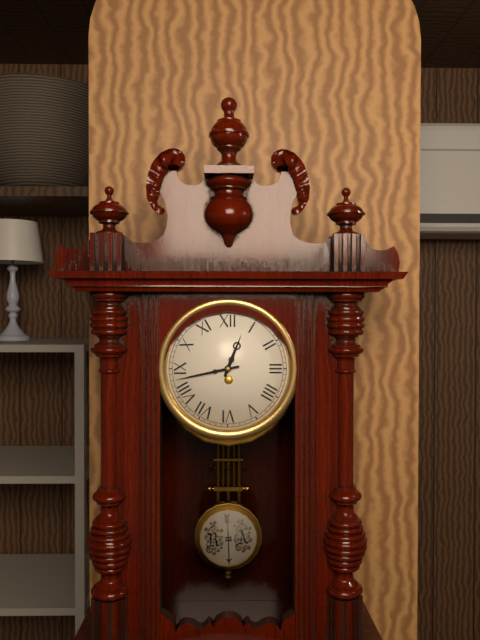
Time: **12:43**
